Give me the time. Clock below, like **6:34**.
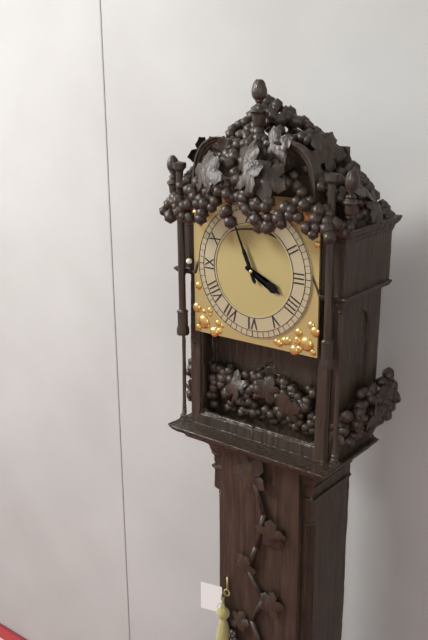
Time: **3:56**
